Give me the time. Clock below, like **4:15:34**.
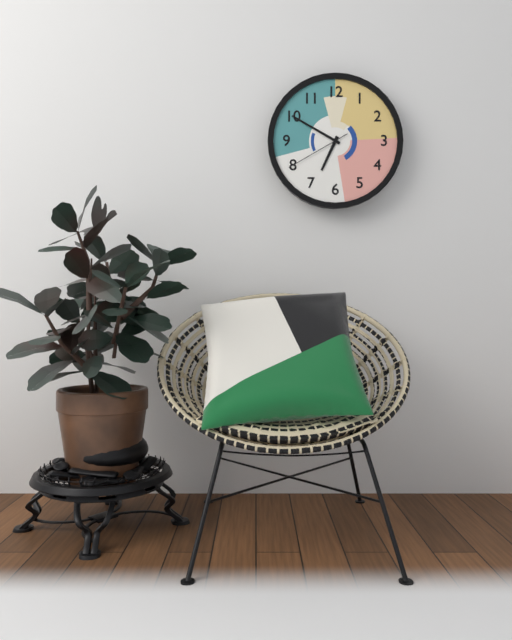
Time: **6:50:40**
